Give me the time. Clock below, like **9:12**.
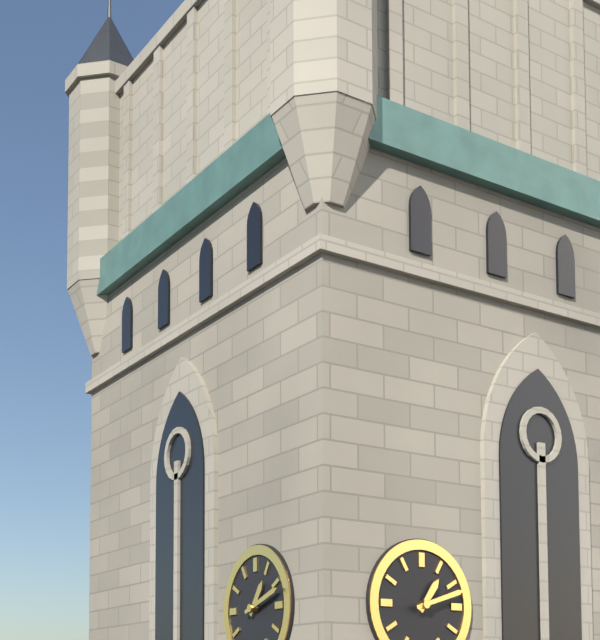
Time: **1:12**
